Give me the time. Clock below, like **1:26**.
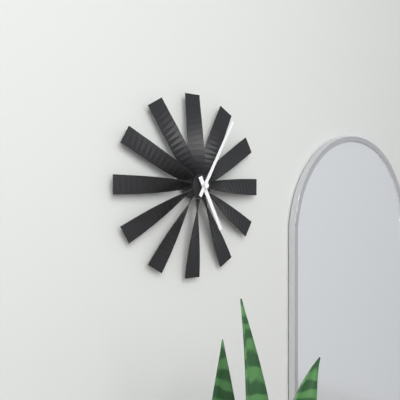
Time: **5:05**
